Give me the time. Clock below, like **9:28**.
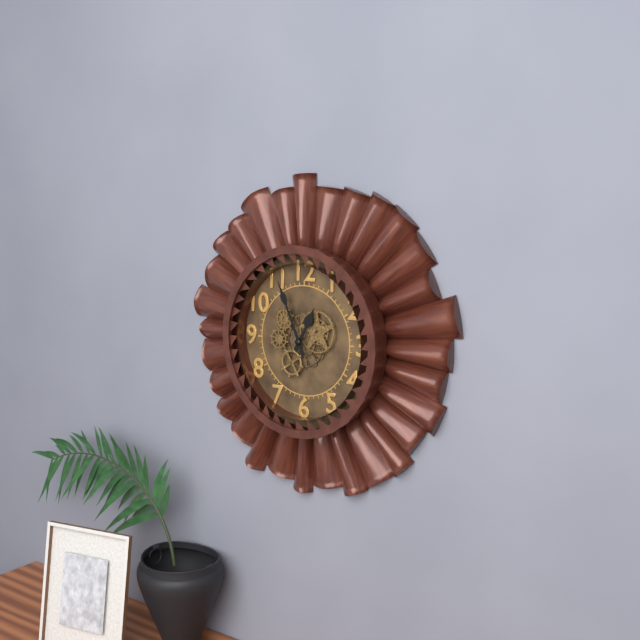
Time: **12:56**
